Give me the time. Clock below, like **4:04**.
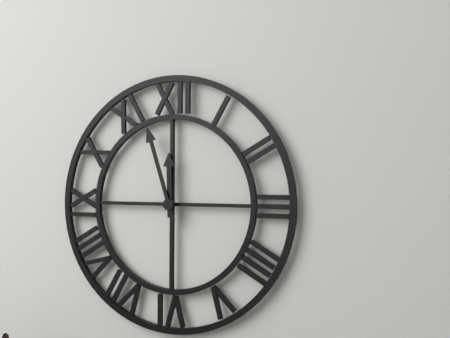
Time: **11:57**
